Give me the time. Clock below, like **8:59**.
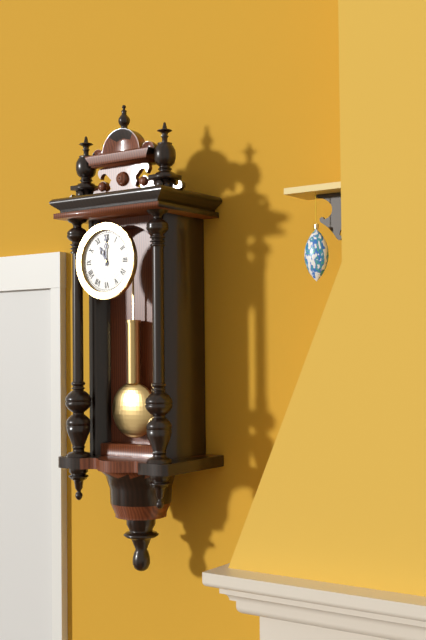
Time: **11:00**
